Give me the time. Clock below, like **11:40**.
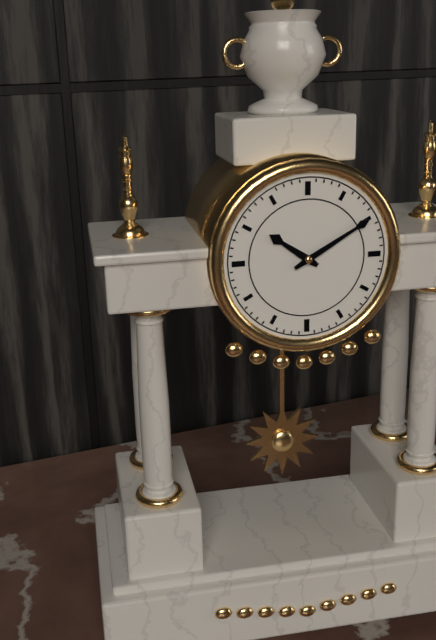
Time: **10:10**
